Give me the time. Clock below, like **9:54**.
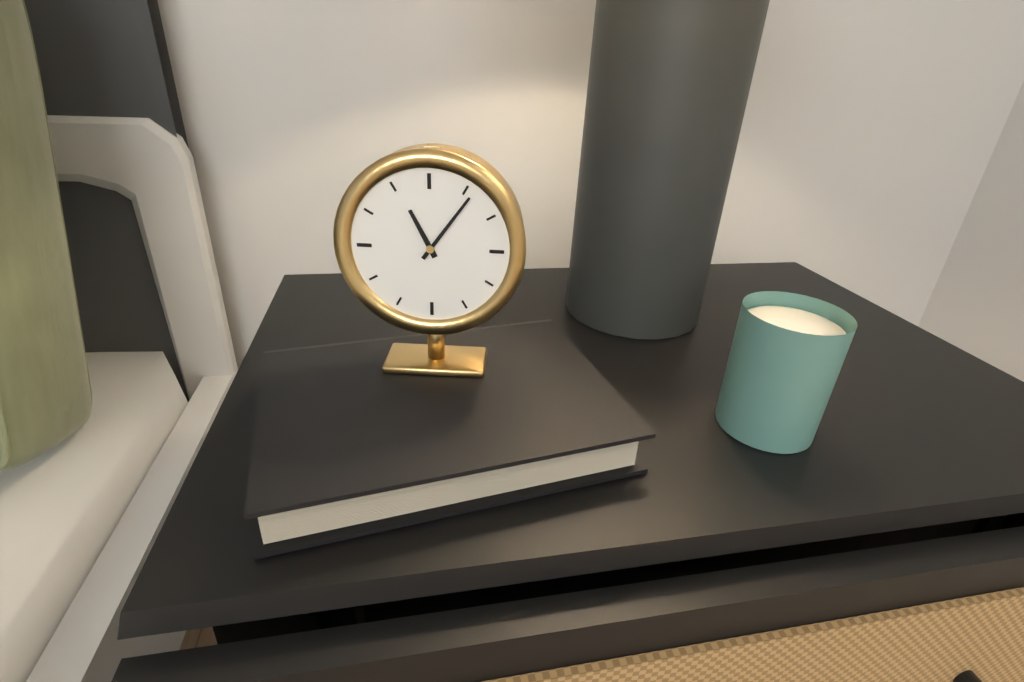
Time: **11:06**
